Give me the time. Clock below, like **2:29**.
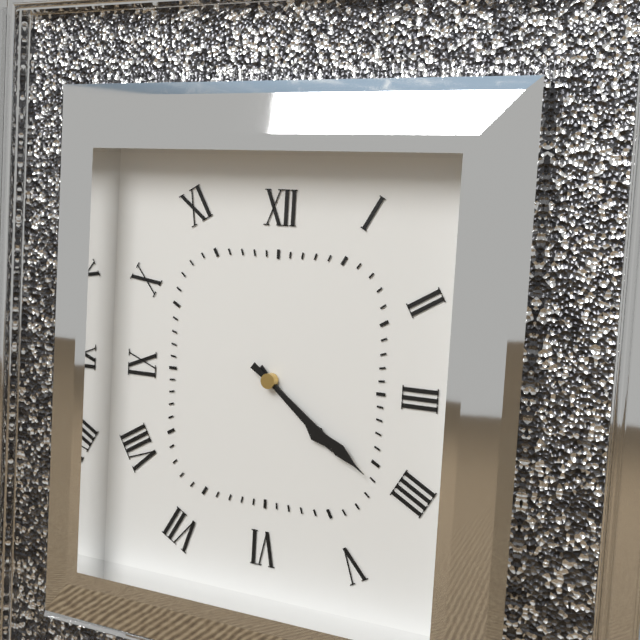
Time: **4:21**
